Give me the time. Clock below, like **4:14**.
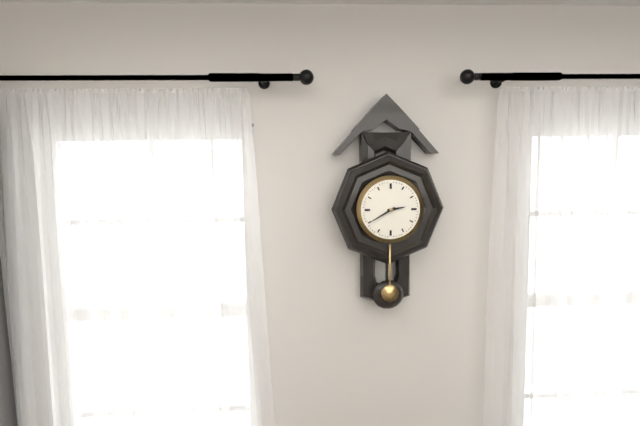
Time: **2:40**
